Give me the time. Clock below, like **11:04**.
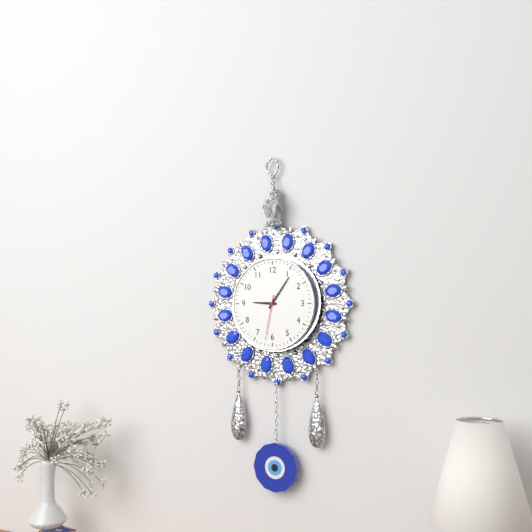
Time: **9:06**
